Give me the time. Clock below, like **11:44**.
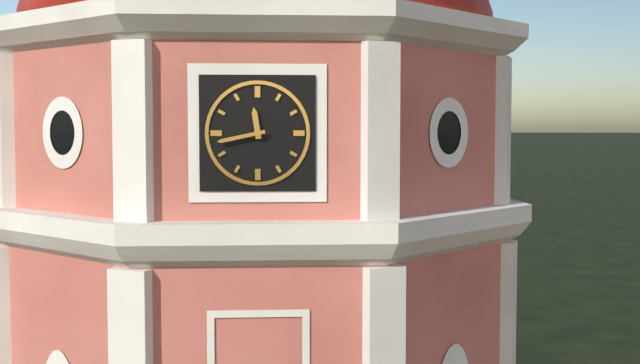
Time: **11:43**
